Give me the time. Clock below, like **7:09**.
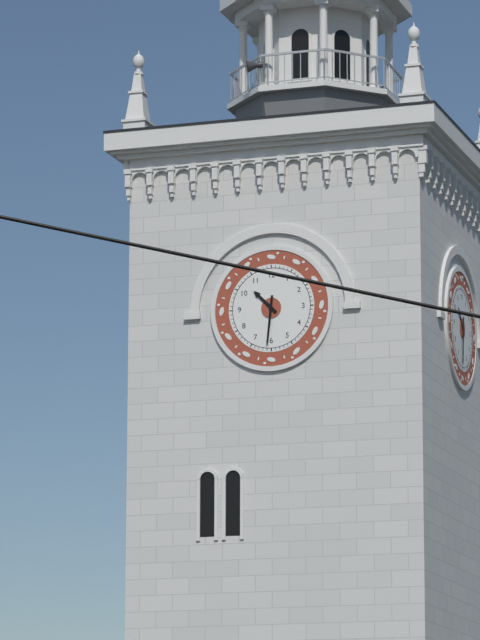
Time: **10:31**
